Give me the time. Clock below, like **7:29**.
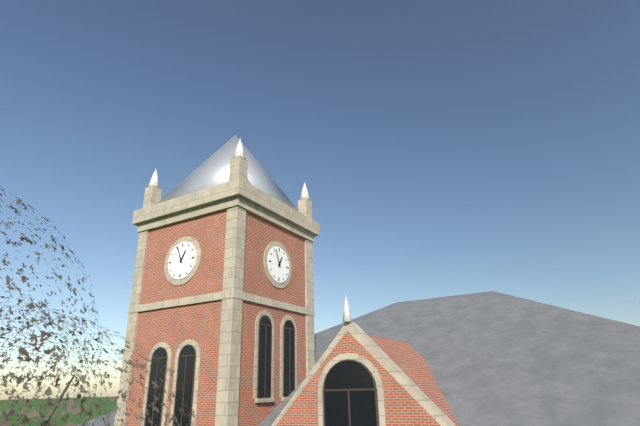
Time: **12:56**
